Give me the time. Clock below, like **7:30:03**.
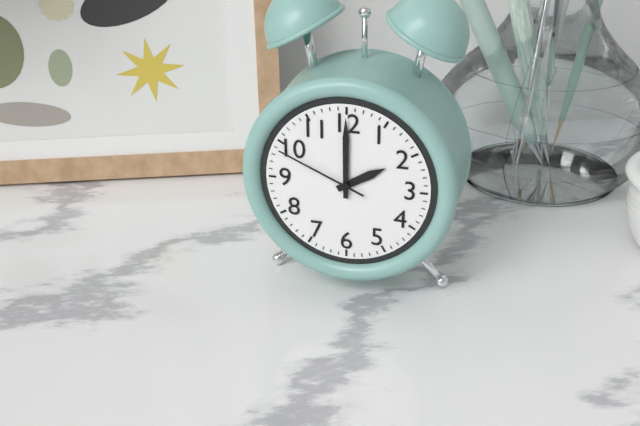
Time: **2:00:49**
